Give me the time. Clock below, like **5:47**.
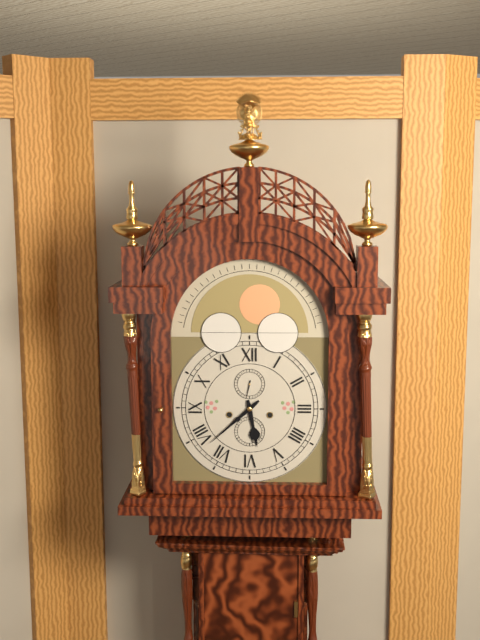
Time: **5:38**
